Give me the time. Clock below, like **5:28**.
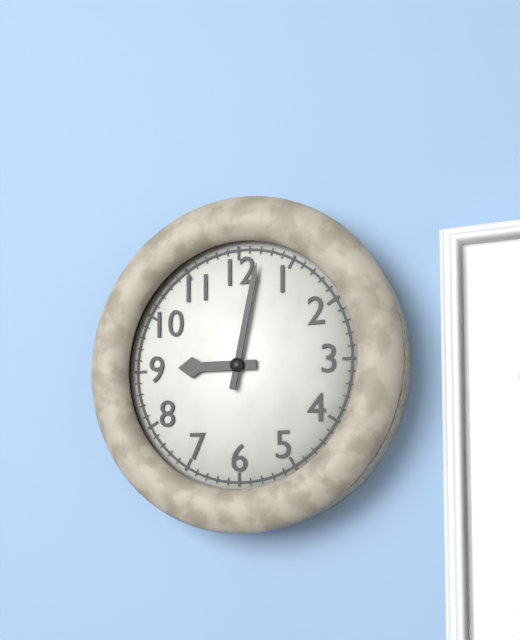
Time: **9:02**
